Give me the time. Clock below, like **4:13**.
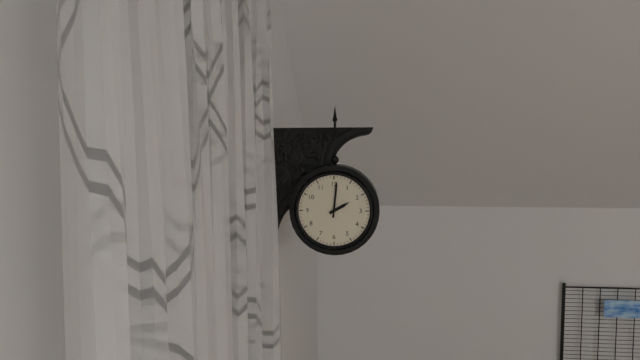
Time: **2:01**
